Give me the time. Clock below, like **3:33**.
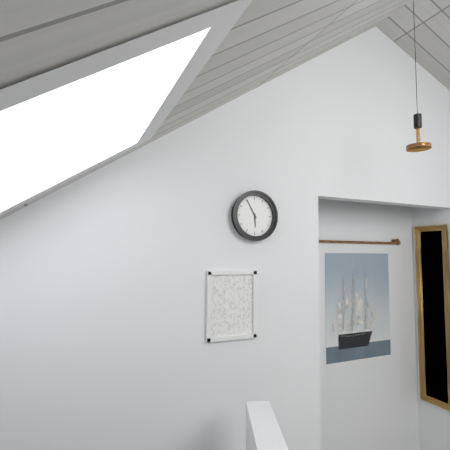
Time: **5:55**
